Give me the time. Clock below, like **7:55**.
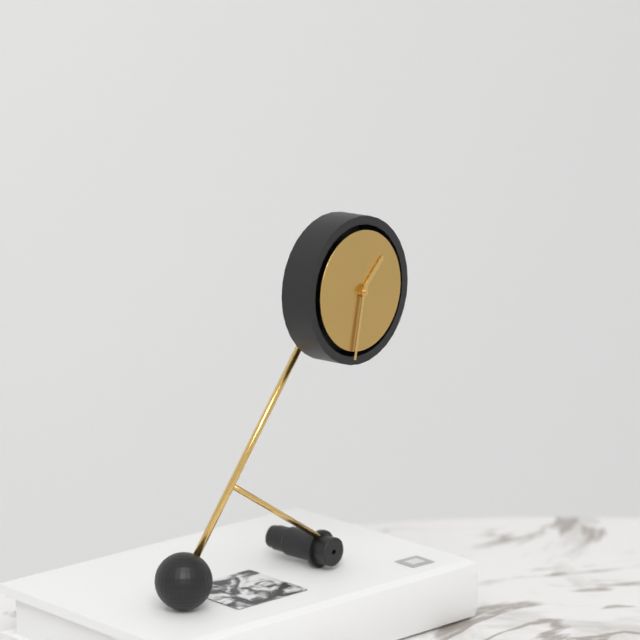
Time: **1:32**
